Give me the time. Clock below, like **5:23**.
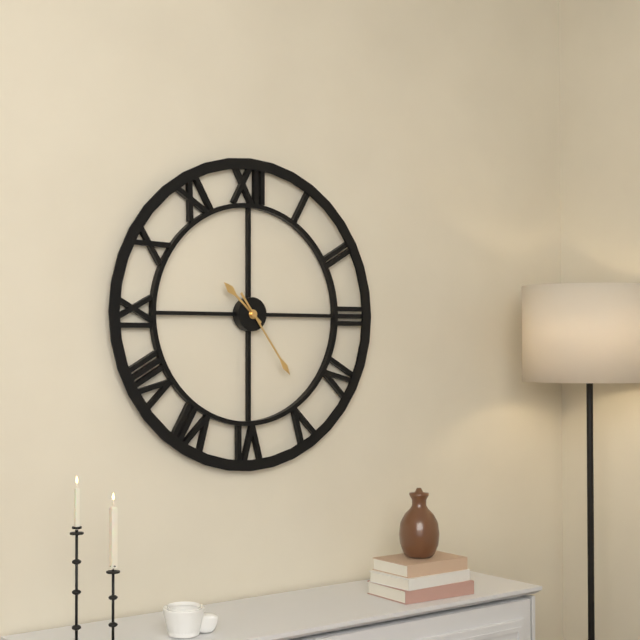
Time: **10:24**
